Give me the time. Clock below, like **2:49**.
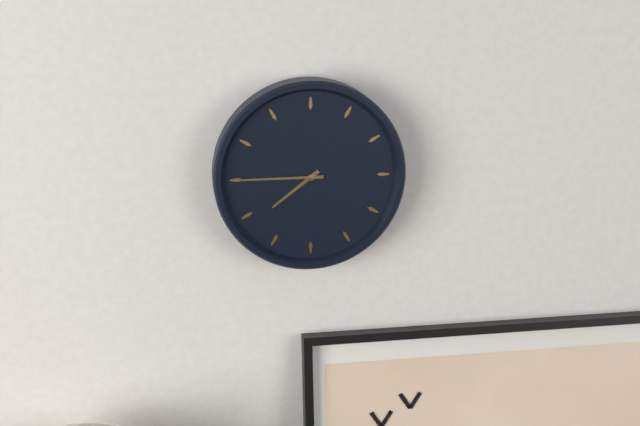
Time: **7:45**
